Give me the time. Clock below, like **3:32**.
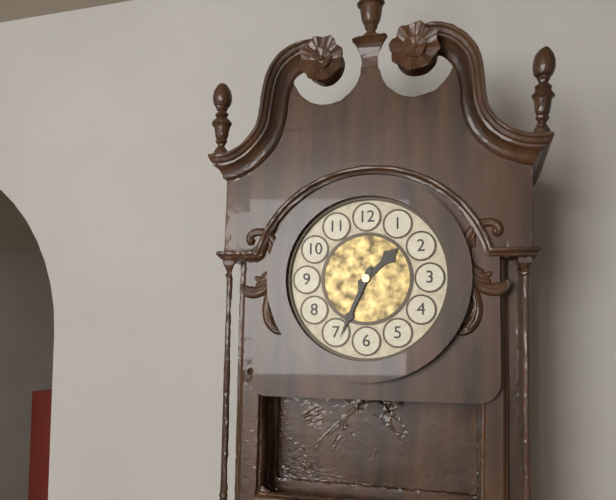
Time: **1:34**
